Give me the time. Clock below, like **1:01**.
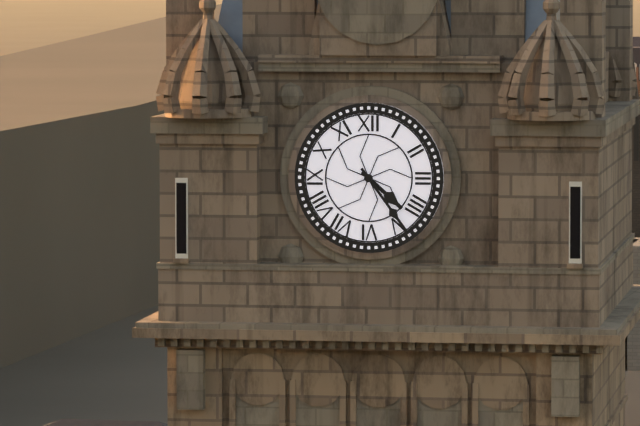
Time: **4:24**
